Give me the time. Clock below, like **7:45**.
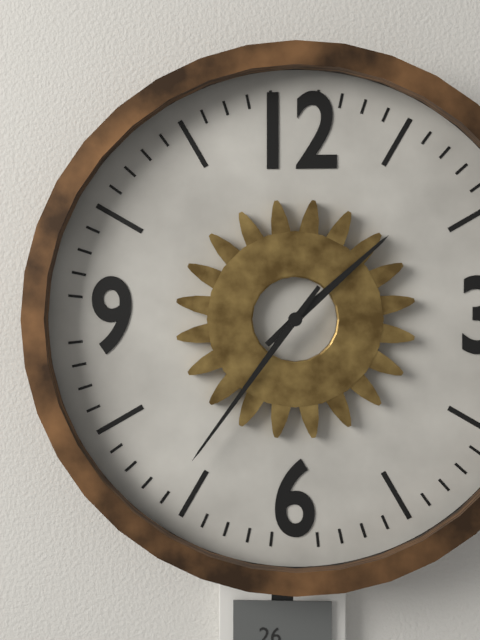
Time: **1:36**
